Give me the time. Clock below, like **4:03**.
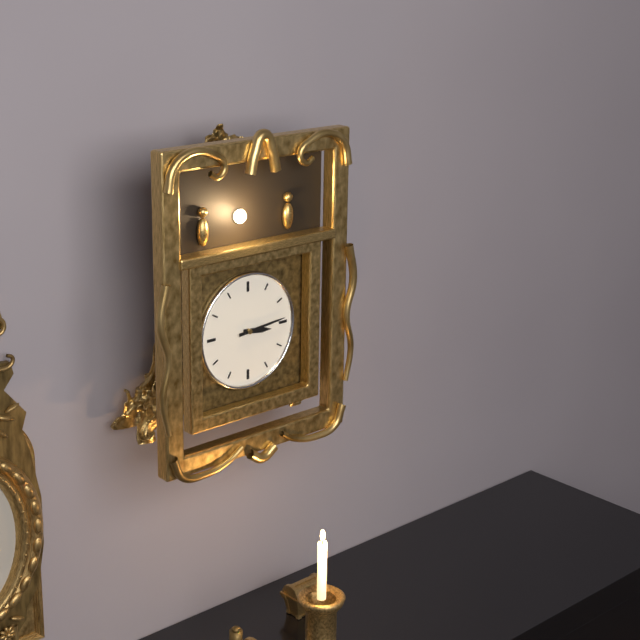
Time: **3:14**
